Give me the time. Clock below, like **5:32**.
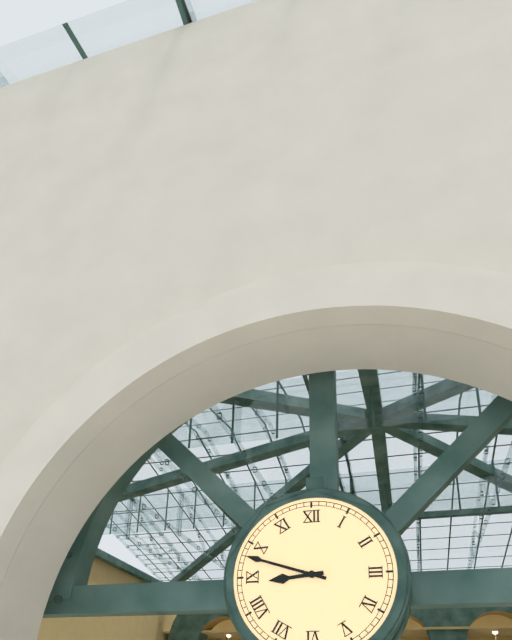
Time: **8:48**
